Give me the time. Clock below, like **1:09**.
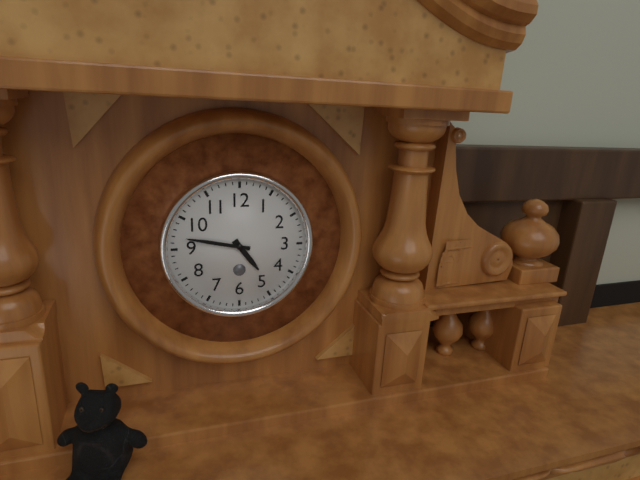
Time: **4:47**
